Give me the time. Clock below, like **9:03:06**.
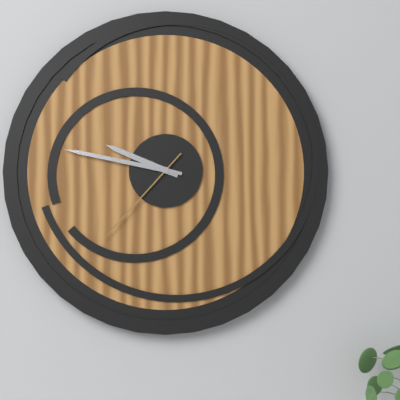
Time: **9:47:37**
